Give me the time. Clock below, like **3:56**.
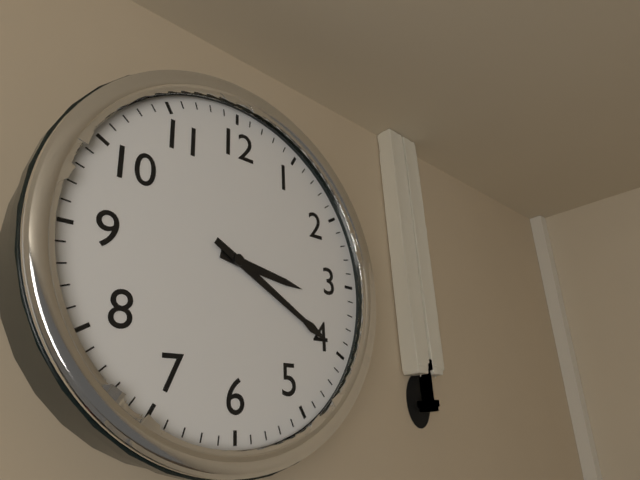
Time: **3:20**
